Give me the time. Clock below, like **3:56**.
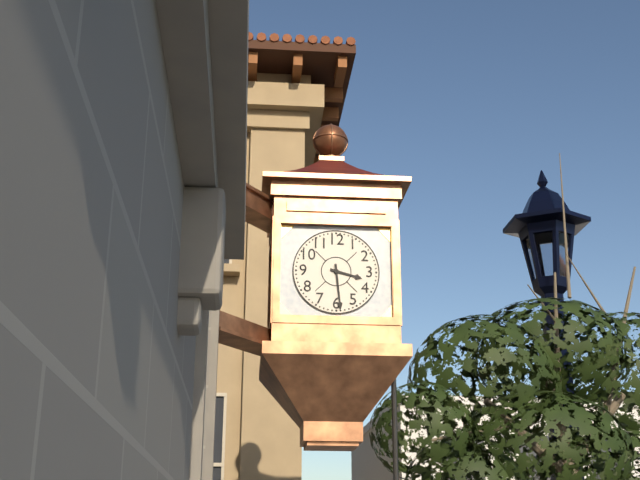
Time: **3:29**
